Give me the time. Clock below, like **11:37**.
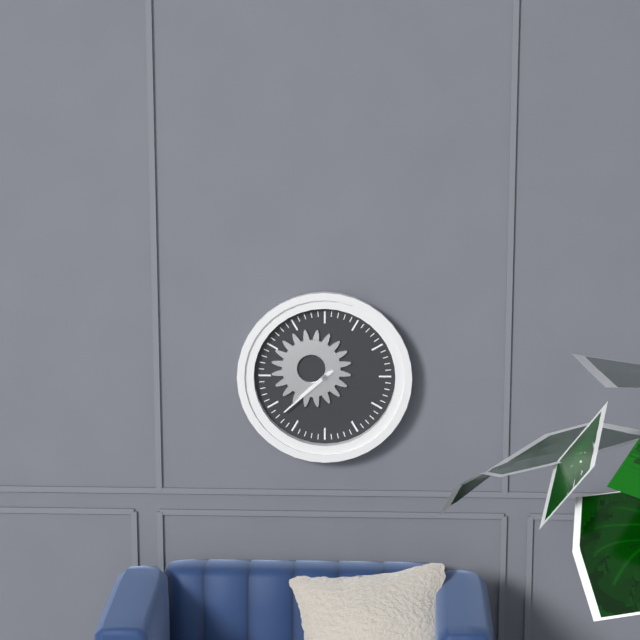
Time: **7:38**
